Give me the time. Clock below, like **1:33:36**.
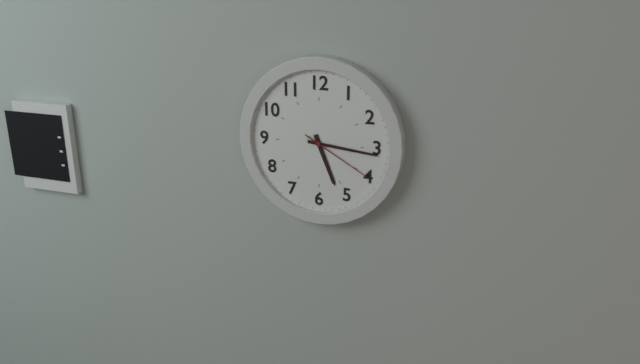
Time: **5:16:20**
